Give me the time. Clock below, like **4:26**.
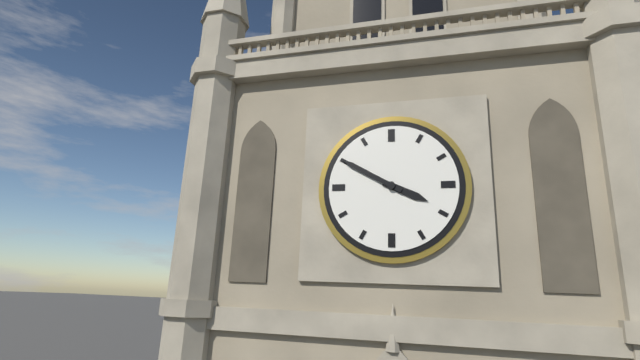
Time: **3:50**
